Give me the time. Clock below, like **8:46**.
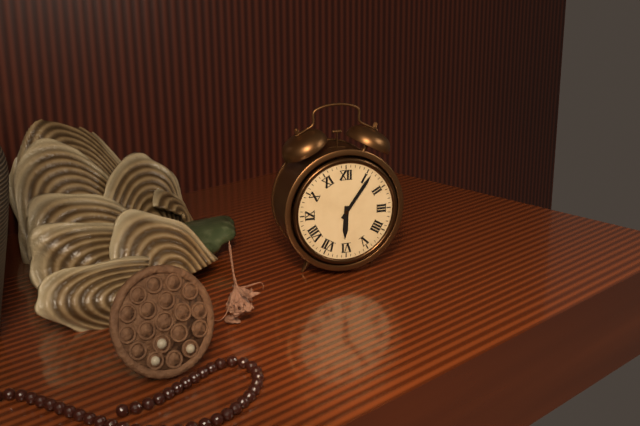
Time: **6:06**
